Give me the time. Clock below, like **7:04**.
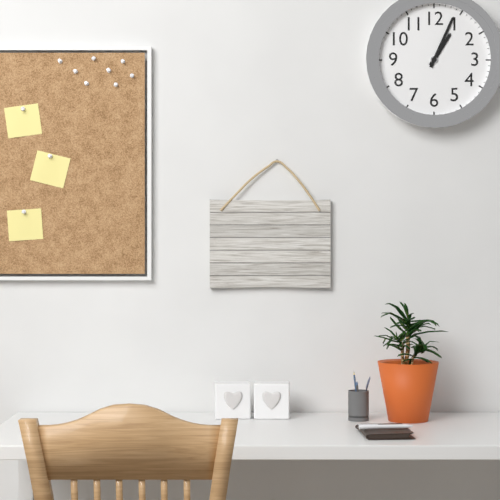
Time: **1:04**
